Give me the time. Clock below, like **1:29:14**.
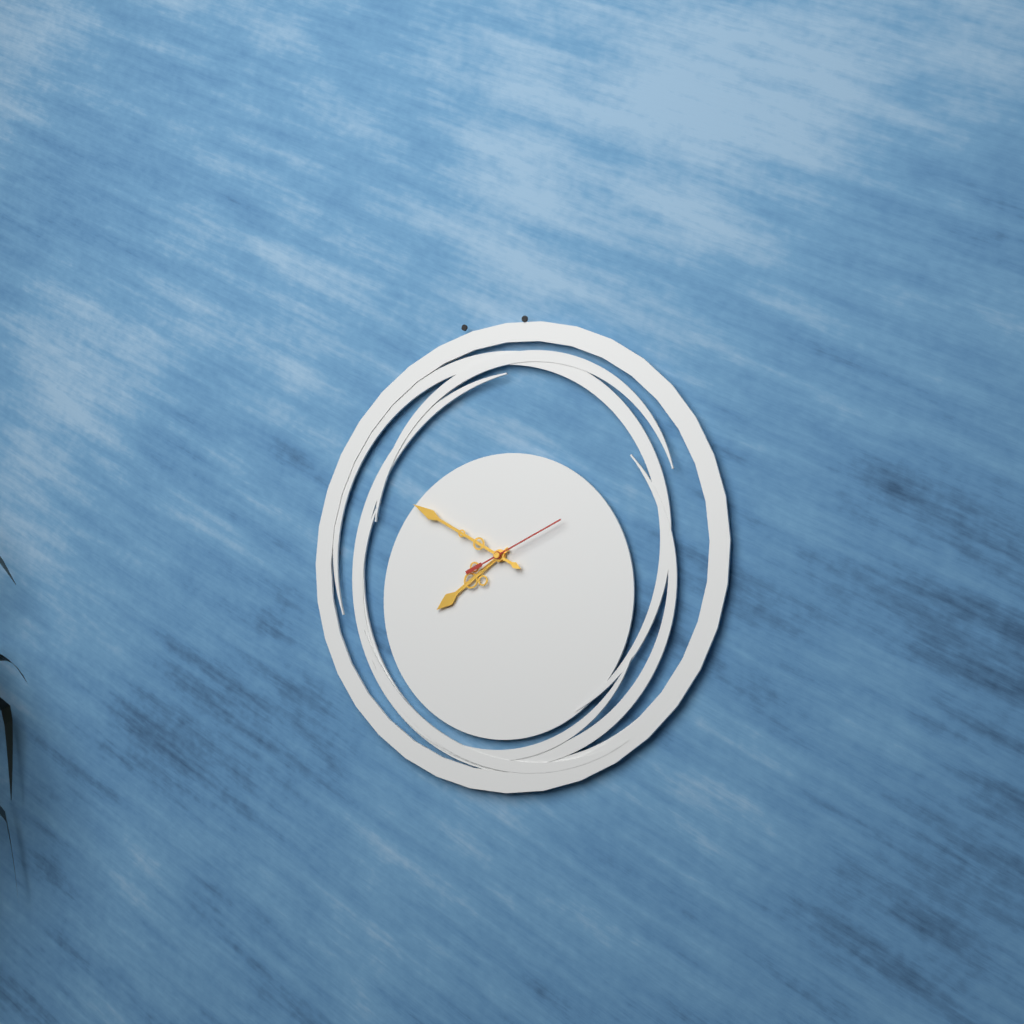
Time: **7:50:11**
